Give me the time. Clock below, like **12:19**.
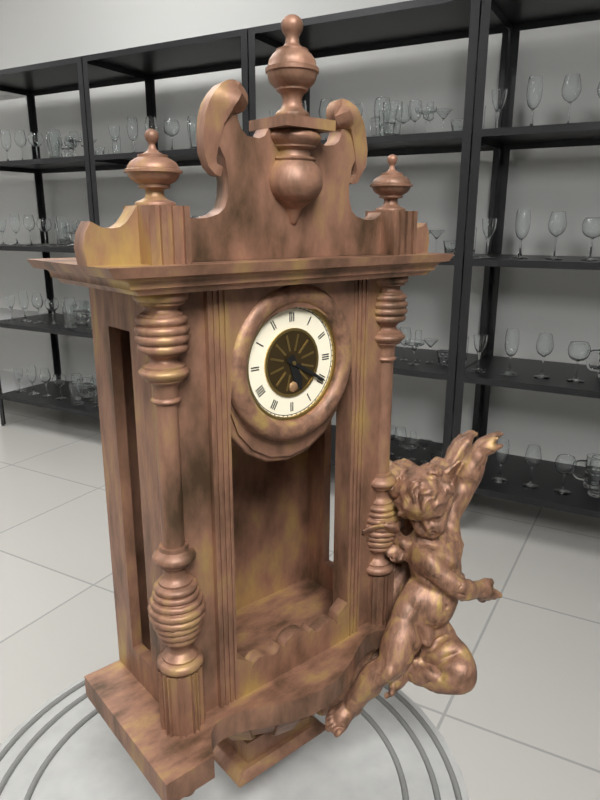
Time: **5:20**
